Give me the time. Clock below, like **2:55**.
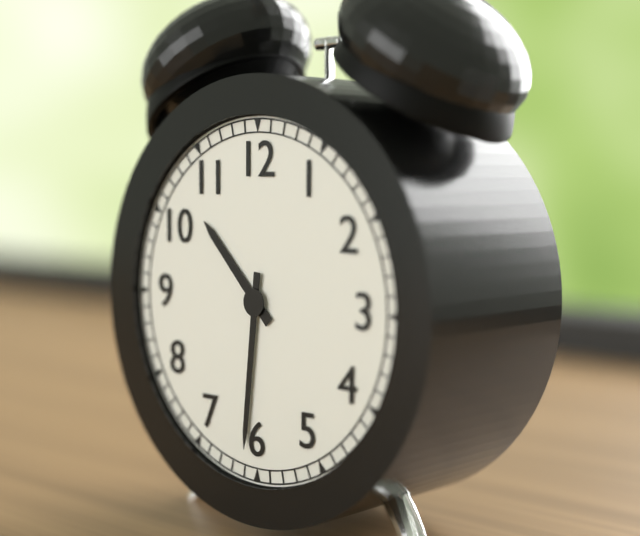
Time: **10:31**
